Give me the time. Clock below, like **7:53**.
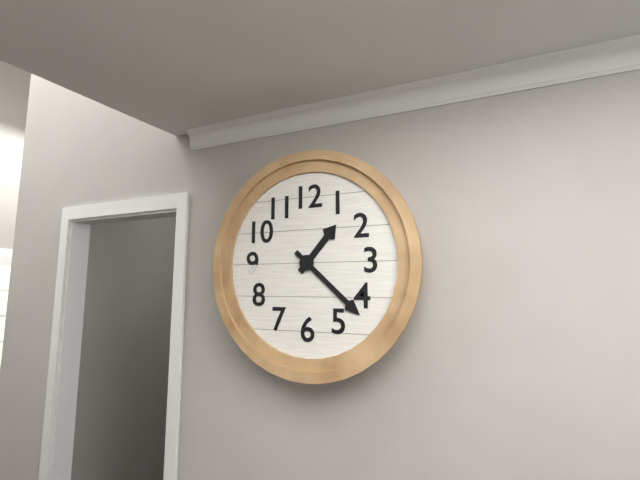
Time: **1:22**
